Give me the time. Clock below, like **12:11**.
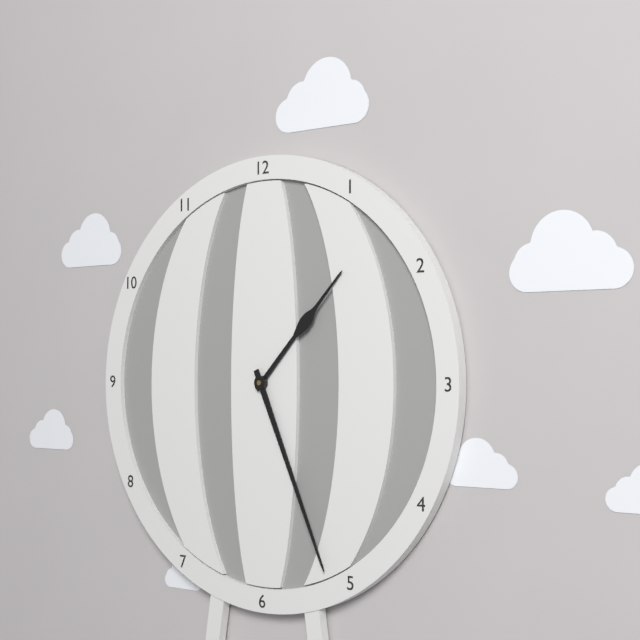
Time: **1:26**
